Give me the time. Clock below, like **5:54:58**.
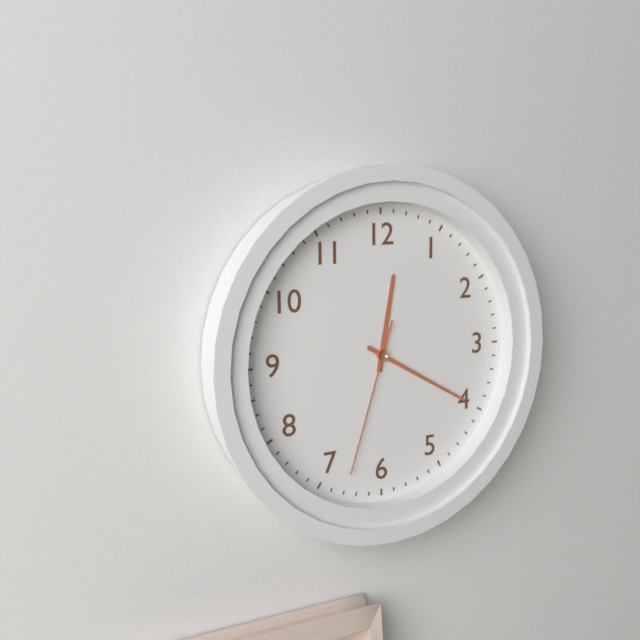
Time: **12:20:33**
